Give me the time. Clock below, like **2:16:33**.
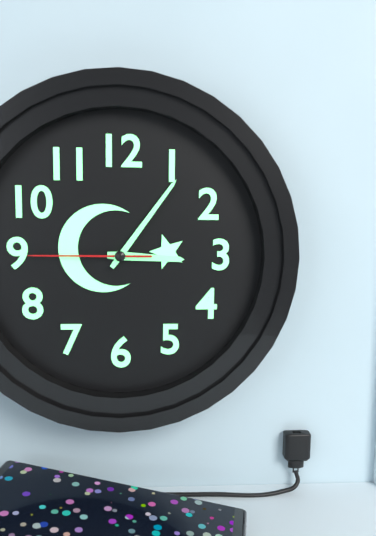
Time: **3:06:45**
